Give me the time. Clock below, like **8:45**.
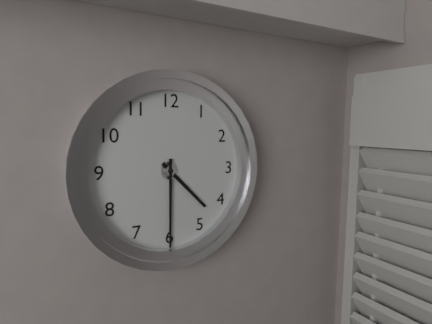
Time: **4:30**
